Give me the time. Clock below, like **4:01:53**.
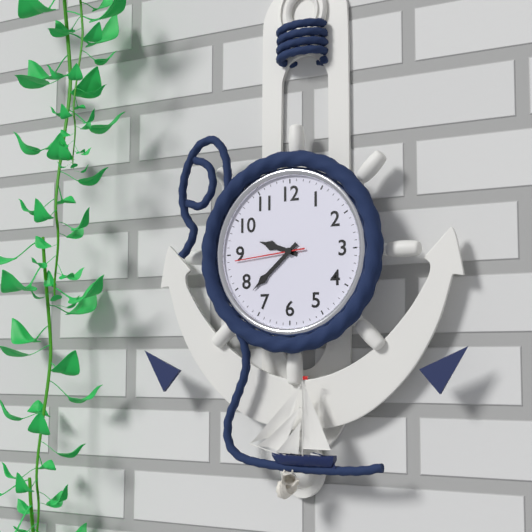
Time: **9:38:44**
